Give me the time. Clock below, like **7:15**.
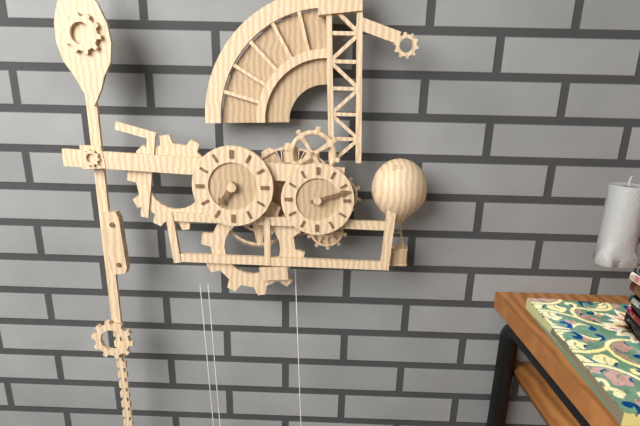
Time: **7:12**
